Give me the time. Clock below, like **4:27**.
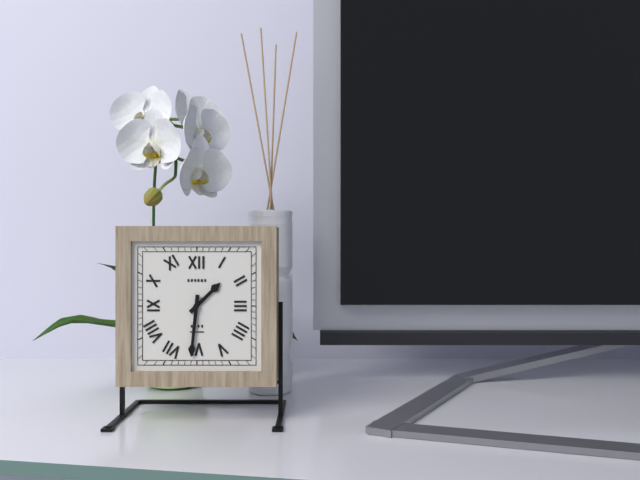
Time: **1:31**
